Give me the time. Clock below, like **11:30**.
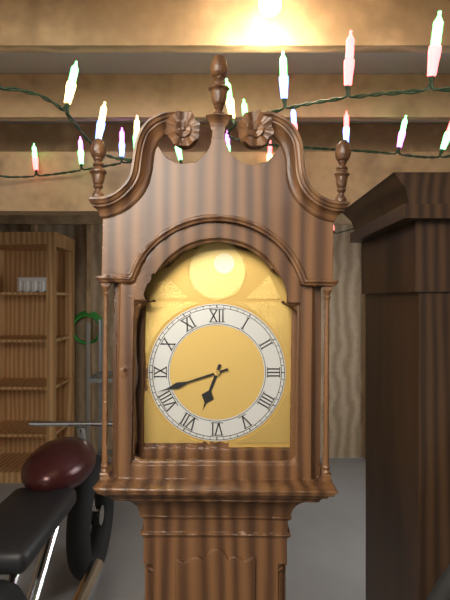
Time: **6:42**
